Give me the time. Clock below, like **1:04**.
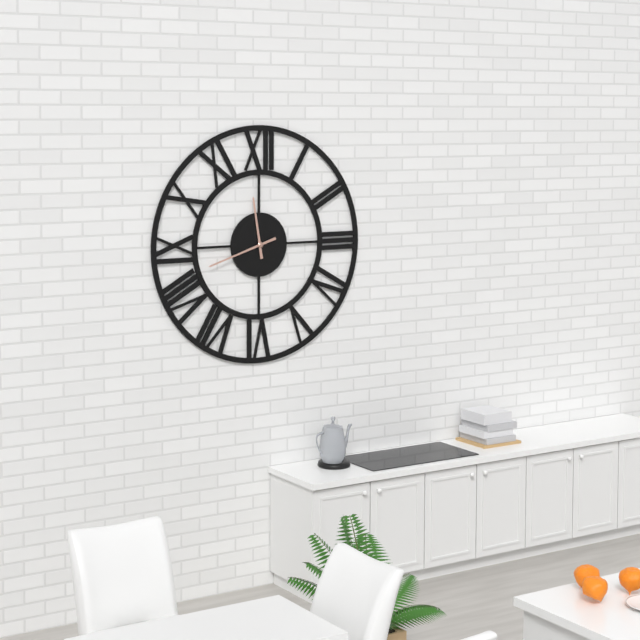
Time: **11:42**
